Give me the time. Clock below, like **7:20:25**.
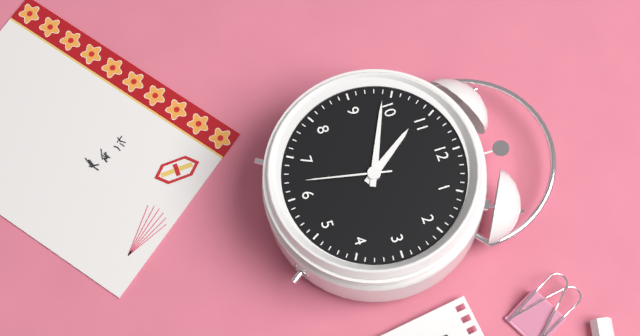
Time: **10:49:32**
